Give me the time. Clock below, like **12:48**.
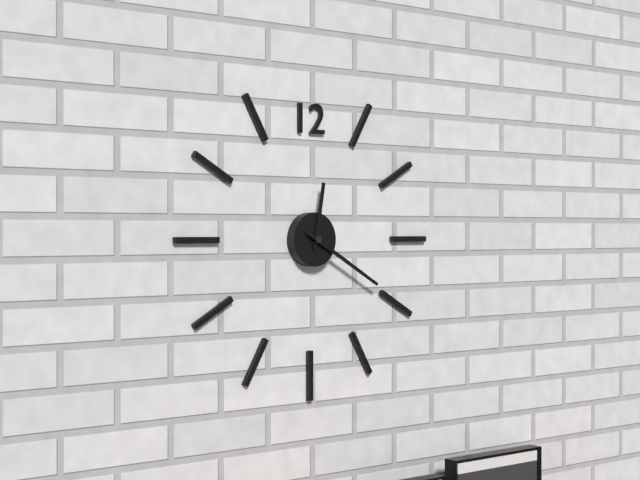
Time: **12:20**
